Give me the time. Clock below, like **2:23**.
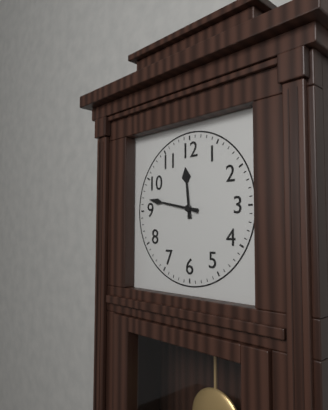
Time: **11:47**
